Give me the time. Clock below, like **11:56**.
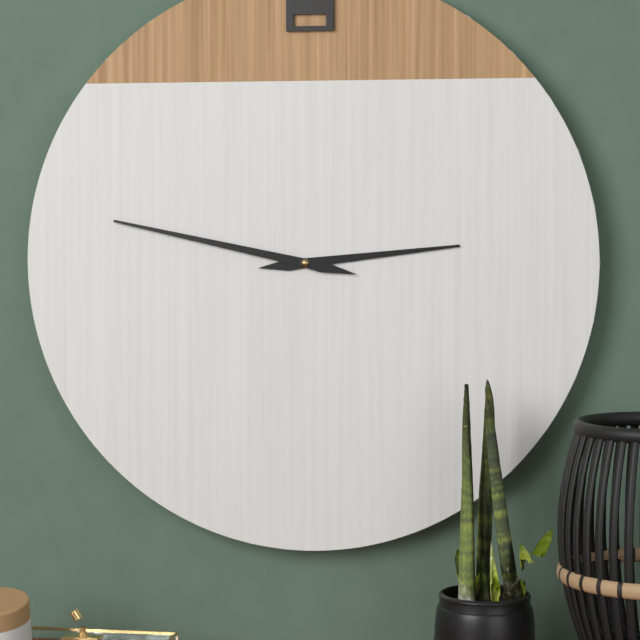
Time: **2:47**
